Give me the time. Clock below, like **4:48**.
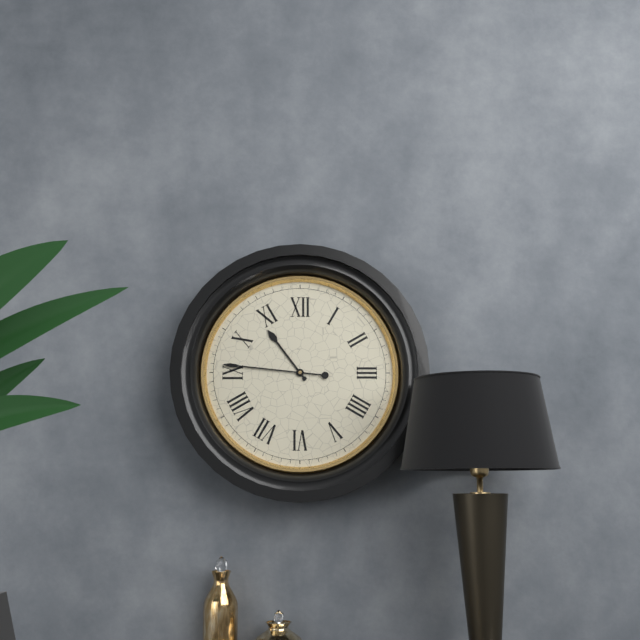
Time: **10:46**
